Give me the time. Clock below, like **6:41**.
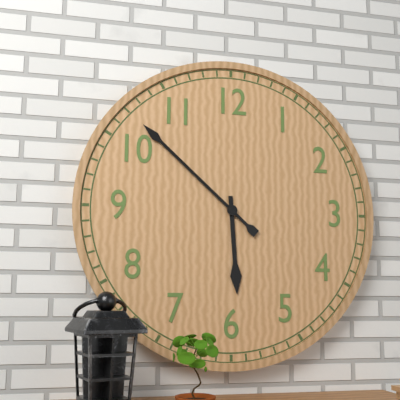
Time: **5:52**
